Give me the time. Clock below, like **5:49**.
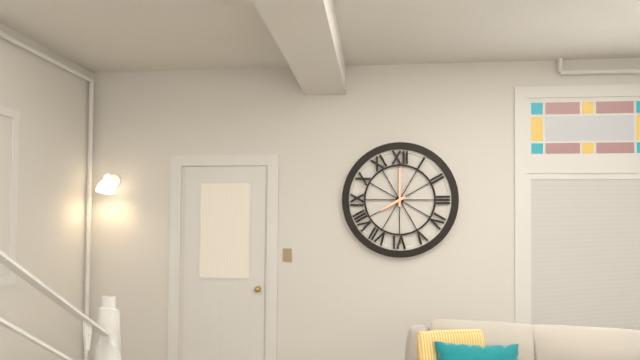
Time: **8:00**
